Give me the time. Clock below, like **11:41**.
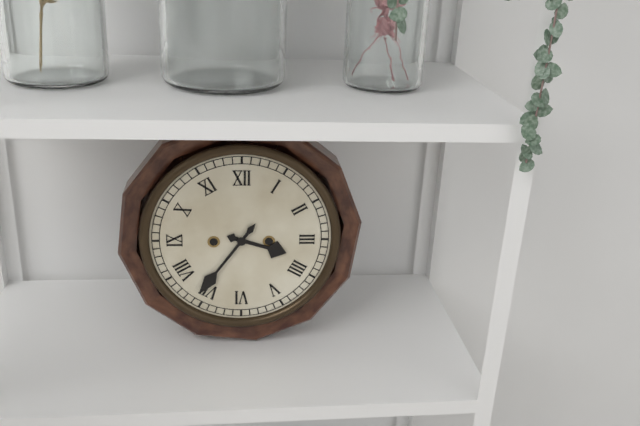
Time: **3:36**
